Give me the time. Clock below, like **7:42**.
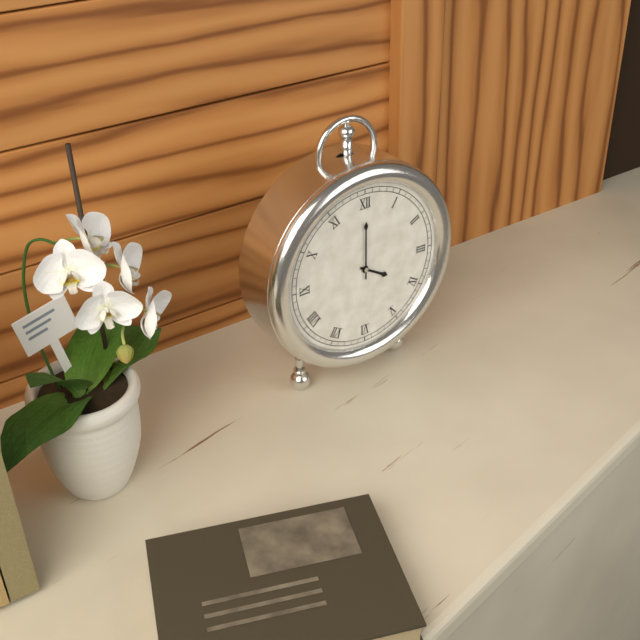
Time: **4:00**
